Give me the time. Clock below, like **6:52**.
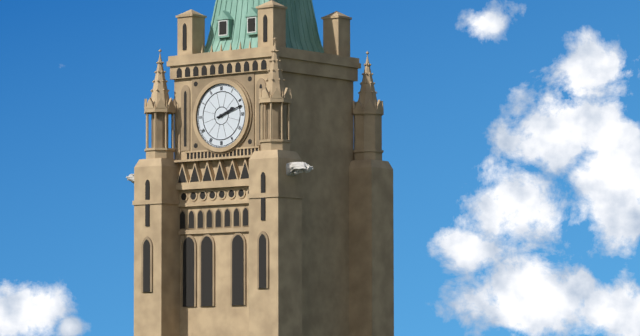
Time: **2:12**
